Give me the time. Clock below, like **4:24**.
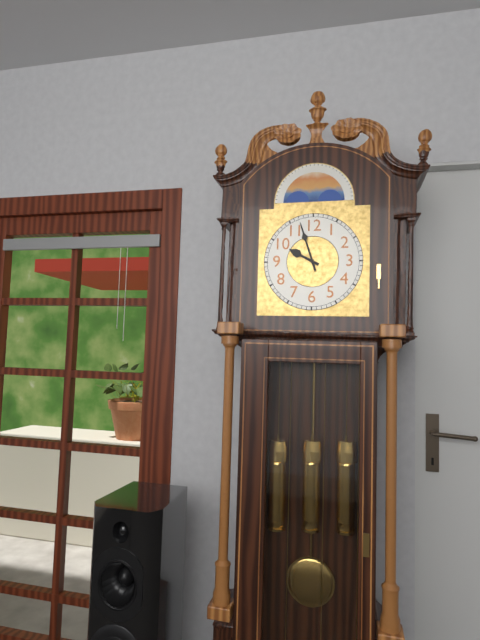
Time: **9:57**
